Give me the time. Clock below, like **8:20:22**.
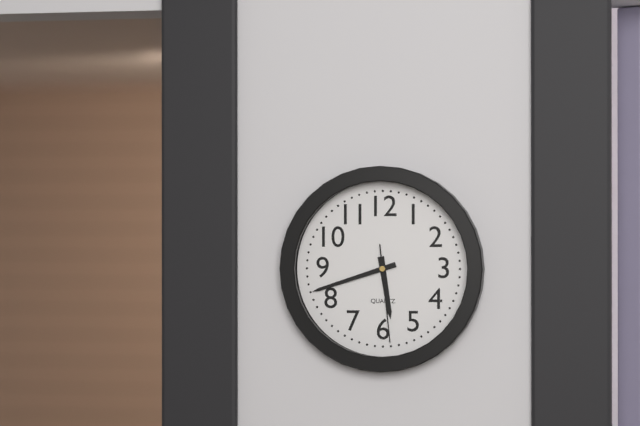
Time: **5:42:29**
